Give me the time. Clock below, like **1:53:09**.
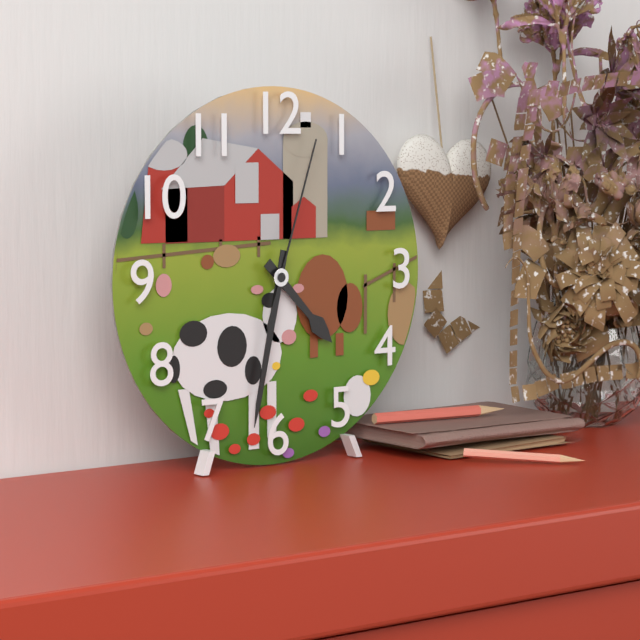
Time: **4:32:03**
